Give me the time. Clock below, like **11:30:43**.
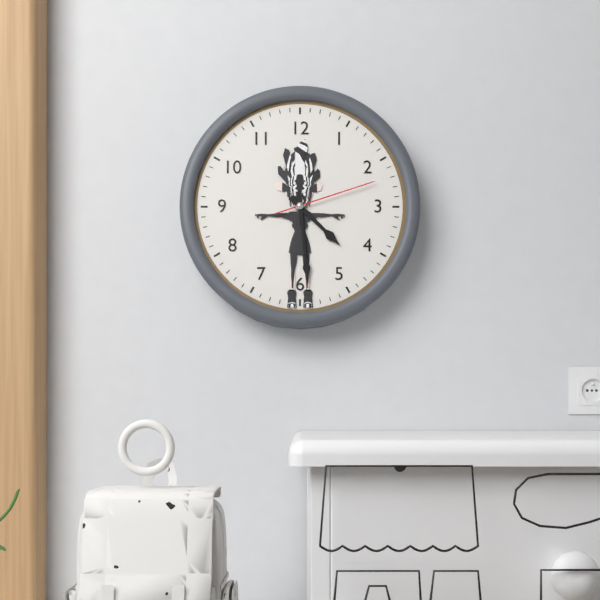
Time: **4:29:12**
